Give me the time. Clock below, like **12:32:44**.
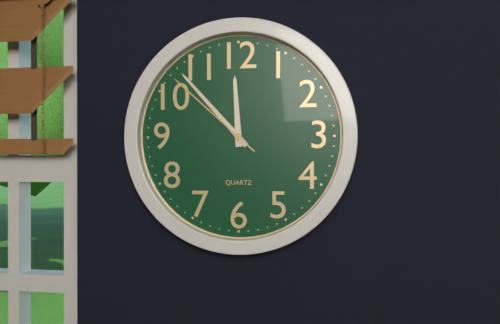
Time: **11:53:52**
